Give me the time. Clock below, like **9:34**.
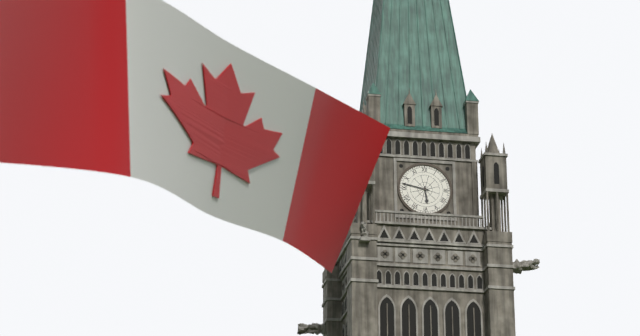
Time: **5:47**
